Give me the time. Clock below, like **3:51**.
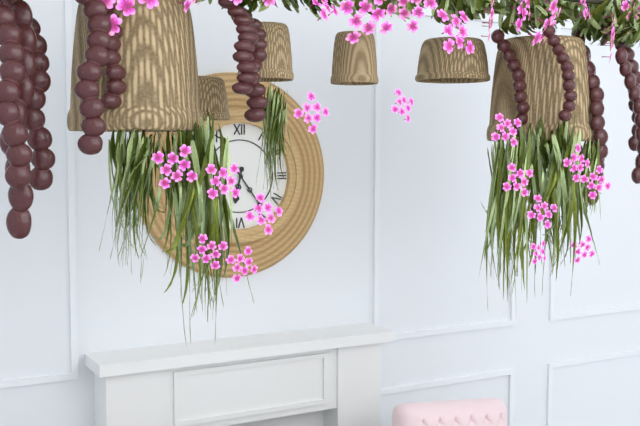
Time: **6:24**
